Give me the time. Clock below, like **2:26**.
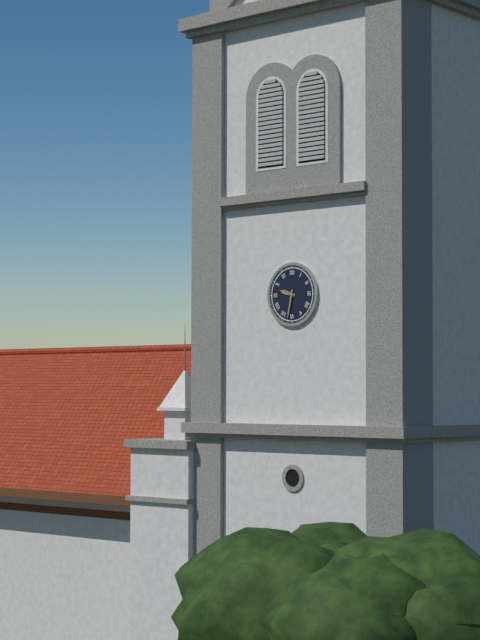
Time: **9:32**
